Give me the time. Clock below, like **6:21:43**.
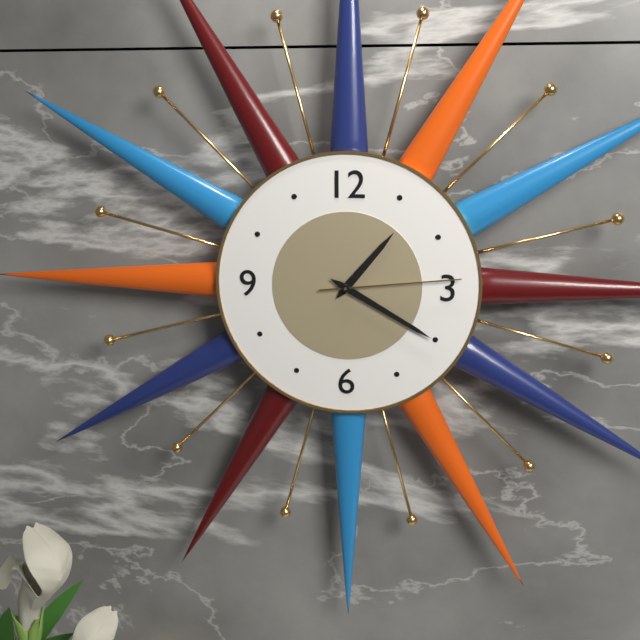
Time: **1:20:14**
